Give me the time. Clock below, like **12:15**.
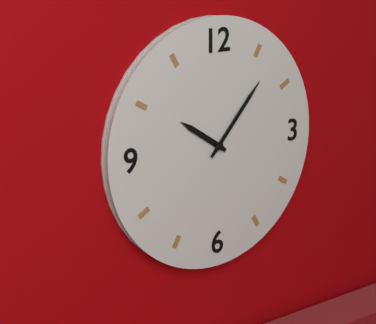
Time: **10:07**
